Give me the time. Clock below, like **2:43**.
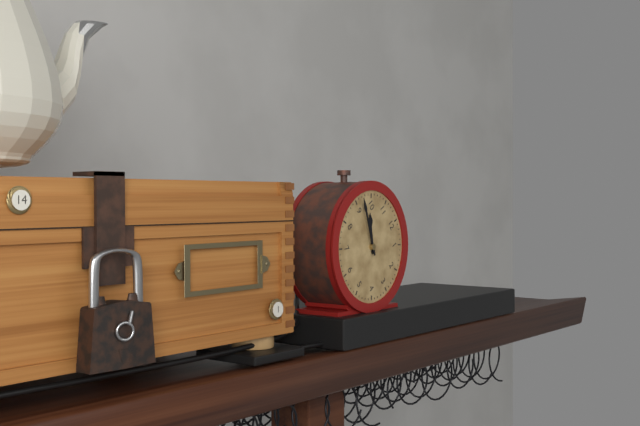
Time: **9:47**
